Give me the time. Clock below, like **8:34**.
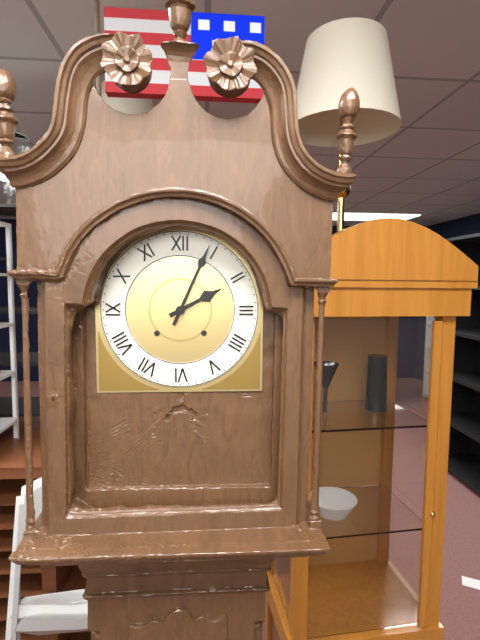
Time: **2:04**
